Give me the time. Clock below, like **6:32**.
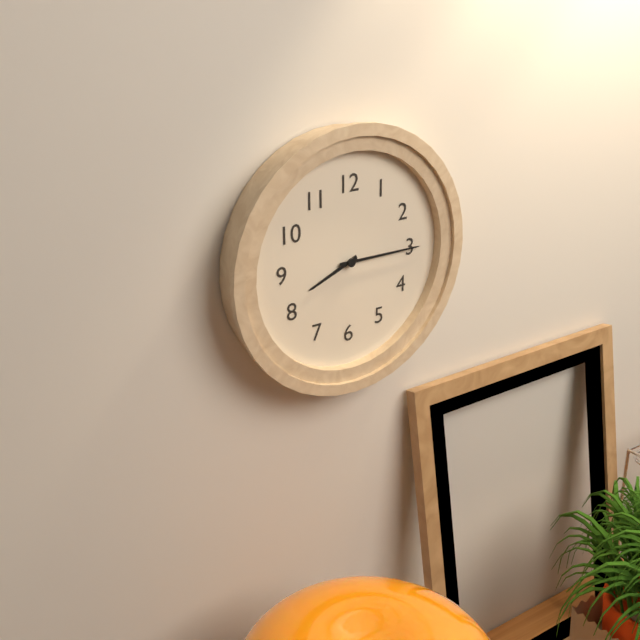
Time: **8:15**
